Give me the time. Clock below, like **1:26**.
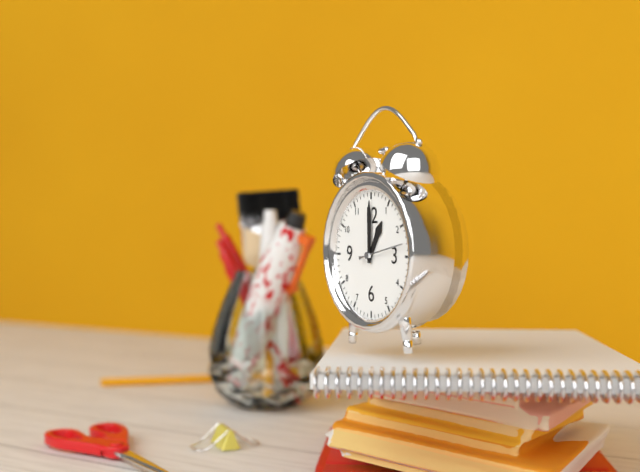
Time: **1:00**
